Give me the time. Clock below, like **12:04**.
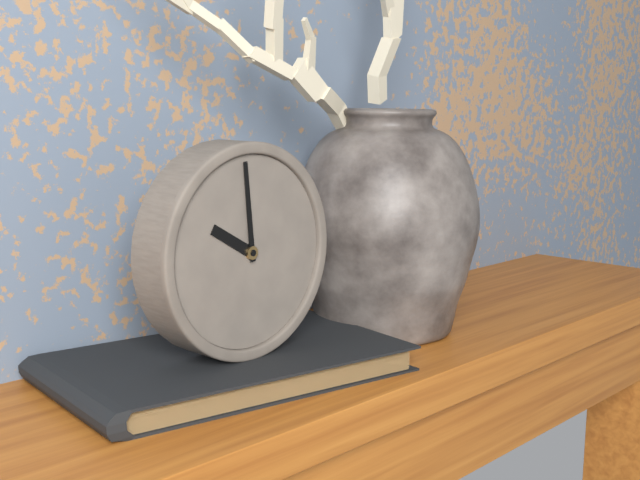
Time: **9:59**
